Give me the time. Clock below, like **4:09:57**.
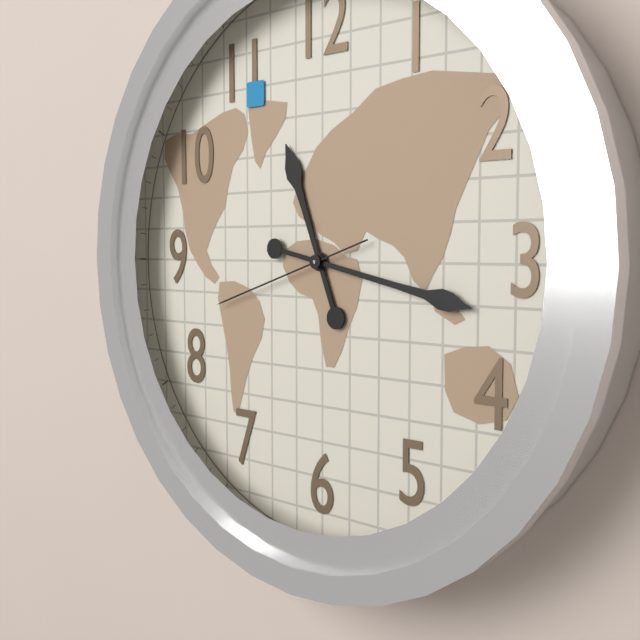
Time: **11:17:42**
